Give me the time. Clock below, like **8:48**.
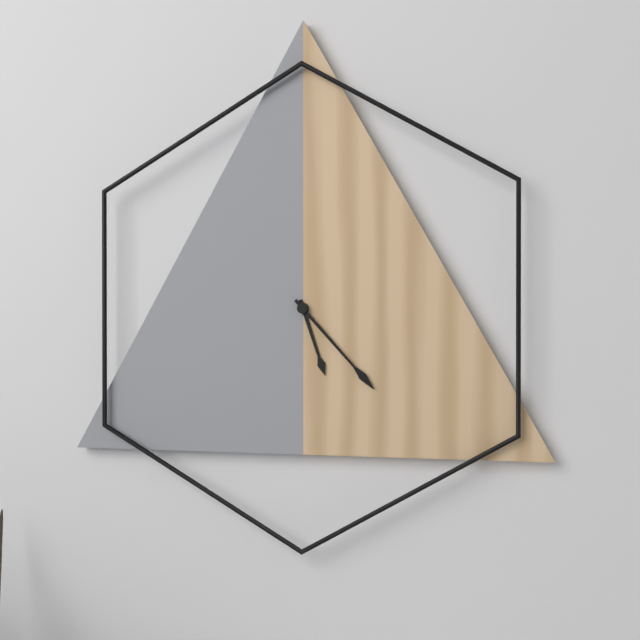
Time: **5:23**
